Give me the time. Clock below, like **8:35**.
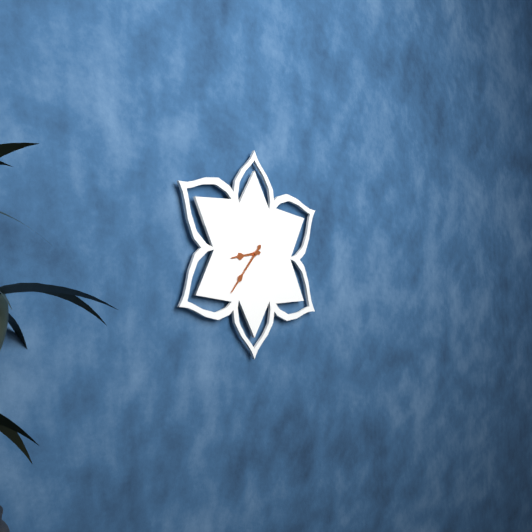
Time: **8:37**
